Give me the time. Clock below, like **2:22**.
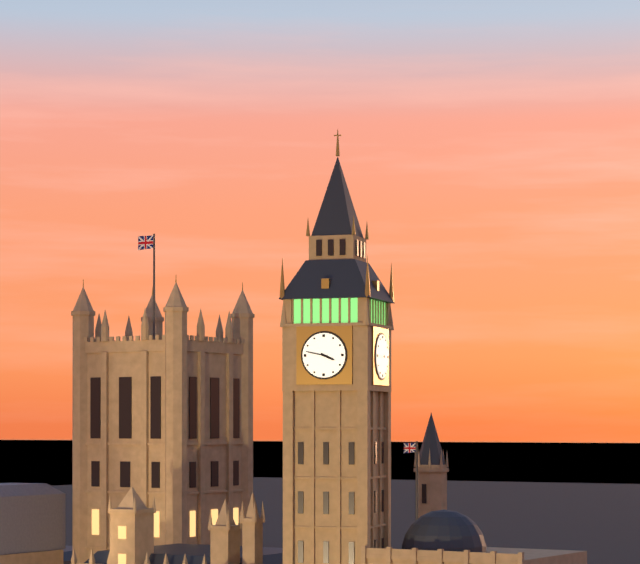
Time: **3:47**
